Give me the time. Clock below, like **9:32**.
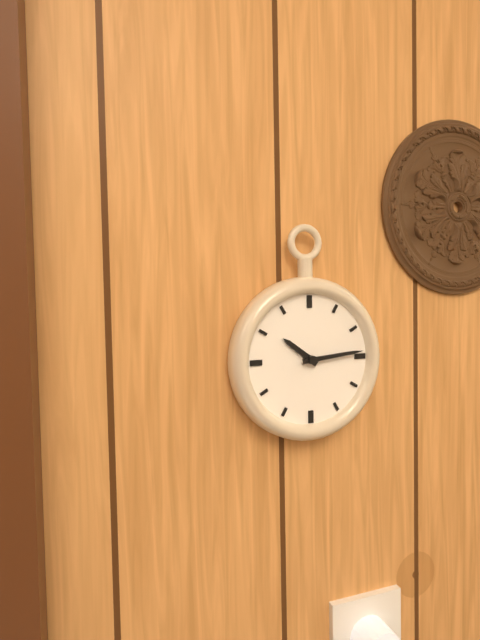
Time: **10:14**
